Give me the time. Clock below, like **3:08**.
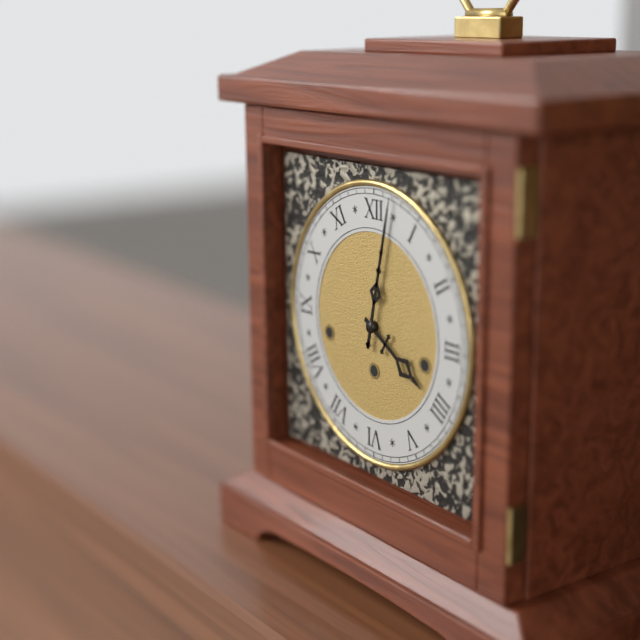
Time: **4:02**
